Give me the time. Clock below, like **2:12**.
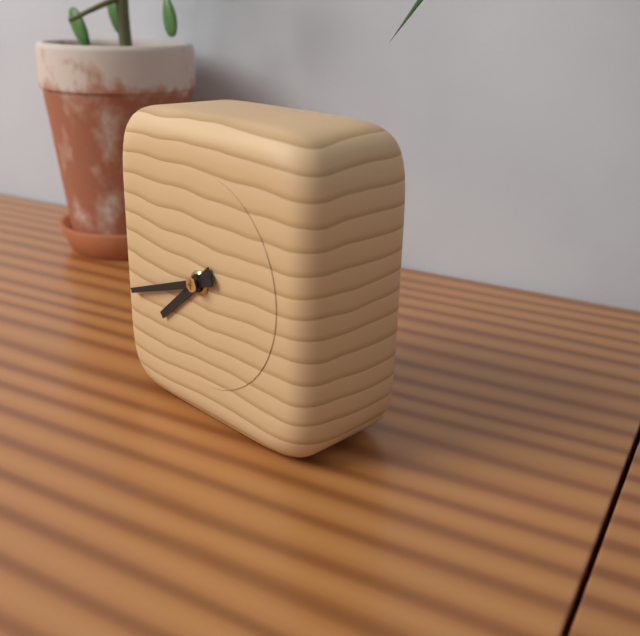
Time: **7:42**
